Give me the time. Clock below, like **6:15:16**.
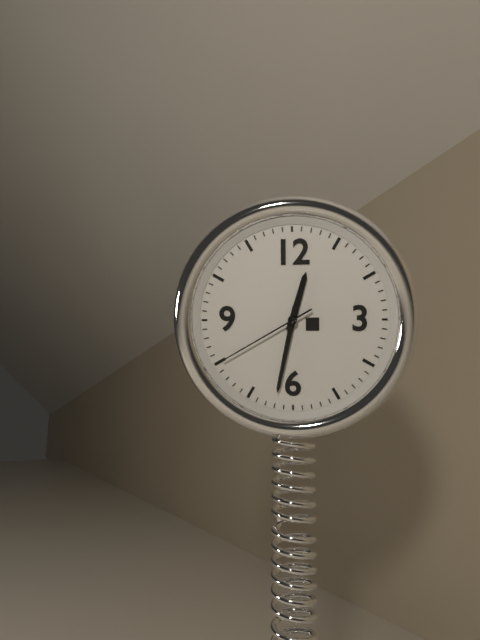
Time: **12:32:40**
